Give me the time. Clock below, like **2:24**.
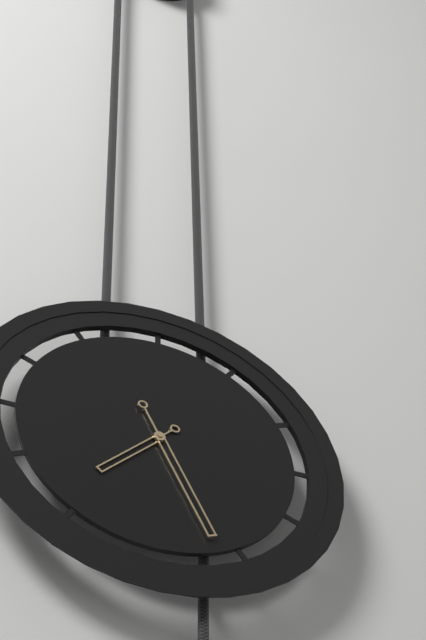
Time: **7:26**
